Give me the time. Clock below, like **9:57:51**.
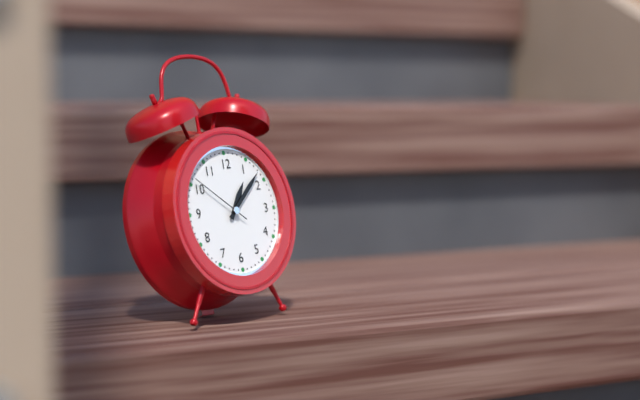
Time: **1:08:51**
